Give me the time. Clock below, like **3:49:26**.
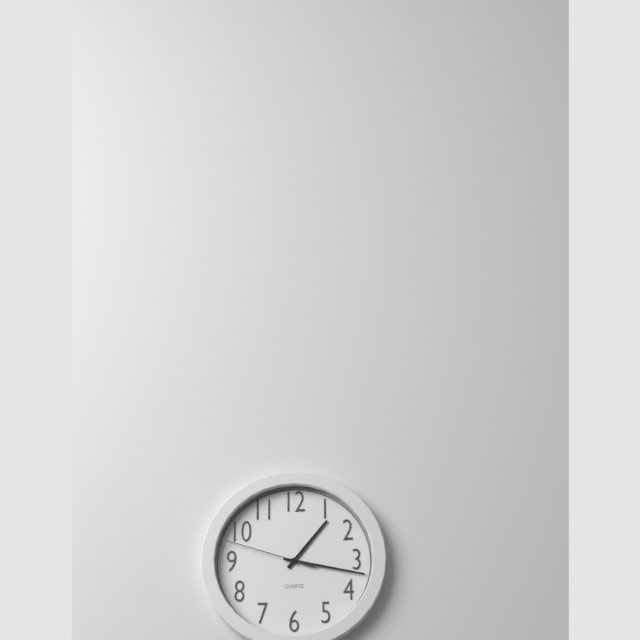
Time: **1:17:48**
